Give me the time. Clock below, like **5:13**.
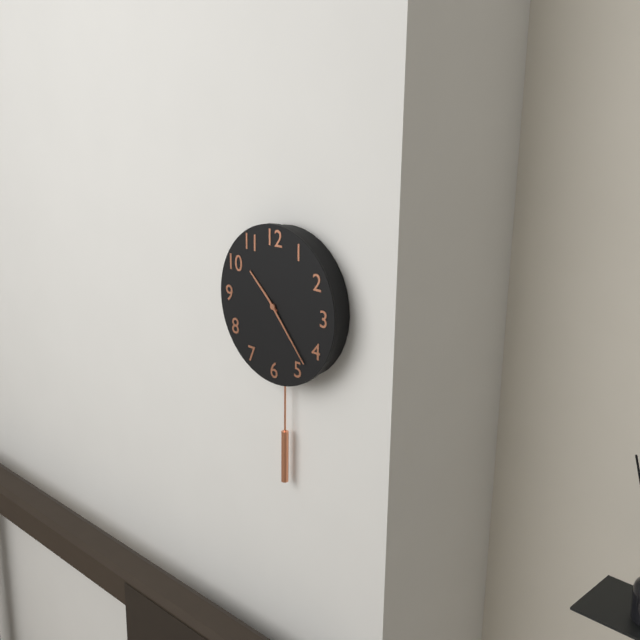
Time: **10:23**
